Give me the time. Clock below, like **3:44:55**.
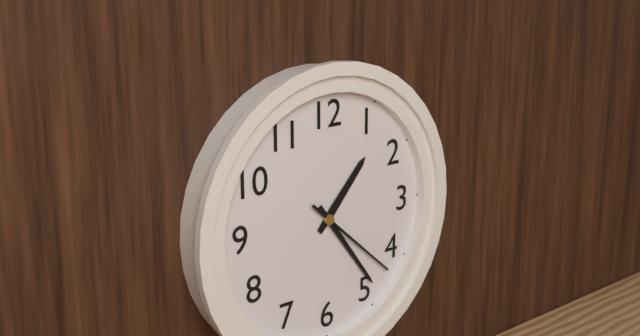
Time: **1:24:22**
